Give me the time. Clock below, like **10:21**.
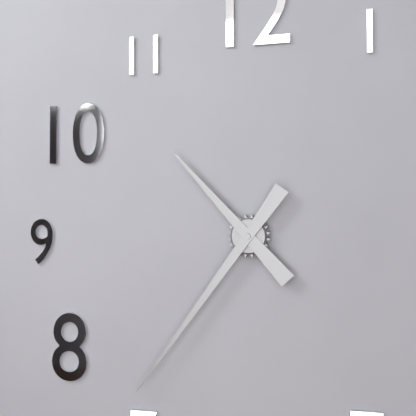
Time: **10:36**
